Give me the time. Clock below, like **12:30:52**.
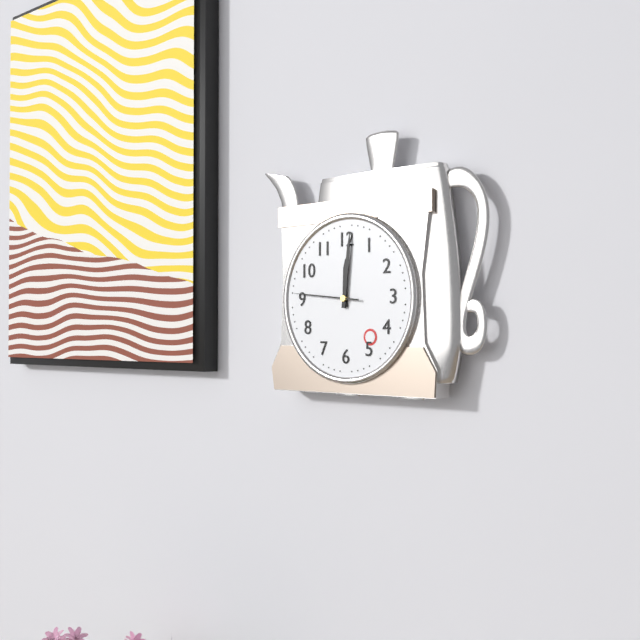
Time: **12:01:46**
